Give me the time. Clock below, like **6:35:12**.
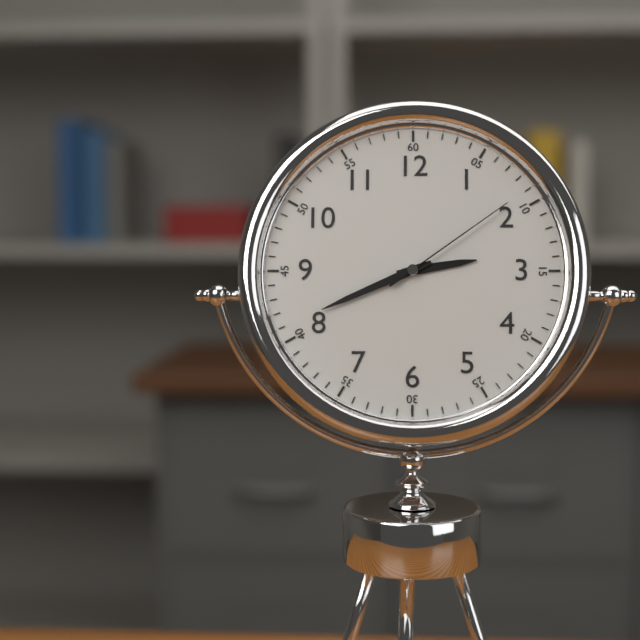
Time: **2:41:09**
